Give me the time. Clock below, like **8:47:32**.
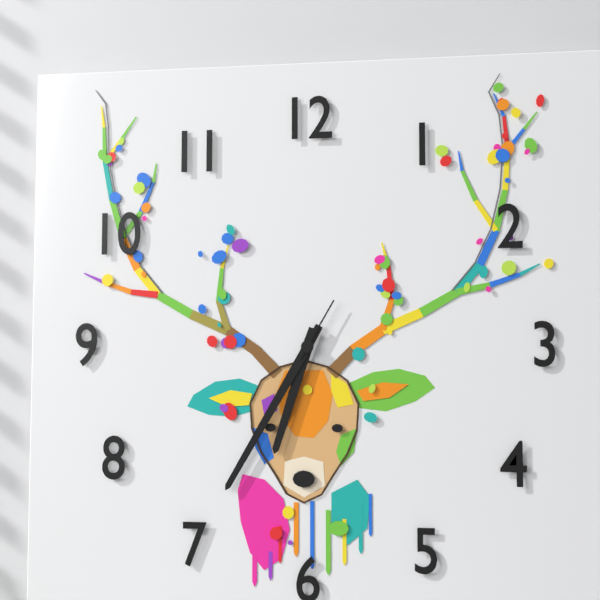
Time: **6:35:05**
